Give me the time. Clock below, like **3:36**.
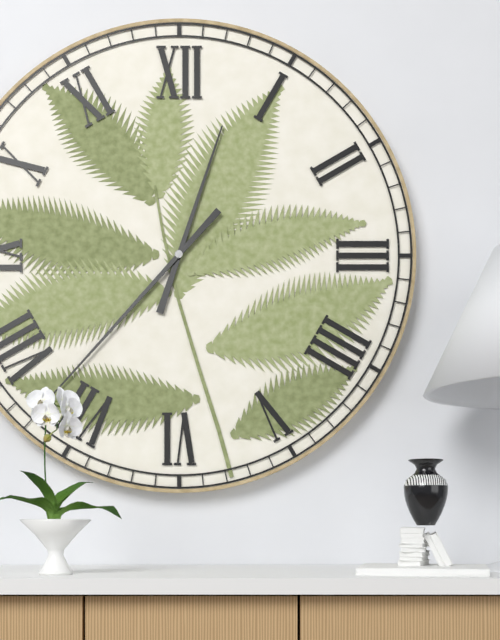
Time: **12:37**
